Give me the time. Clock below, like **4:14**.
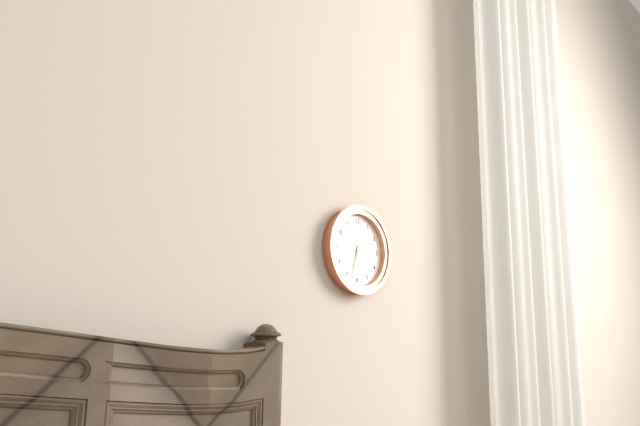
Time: **6:32**
